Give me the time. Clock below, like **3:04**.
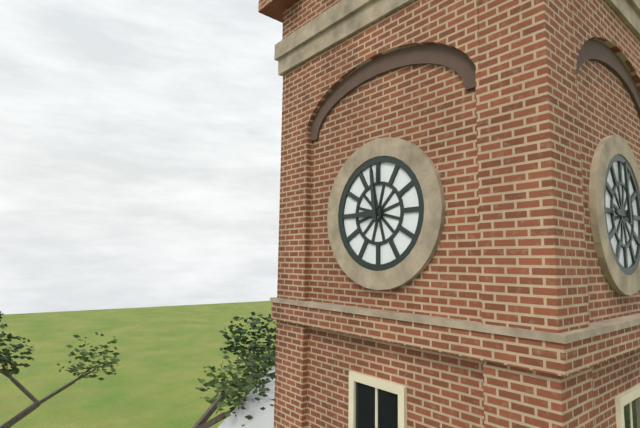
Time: **8:59**
